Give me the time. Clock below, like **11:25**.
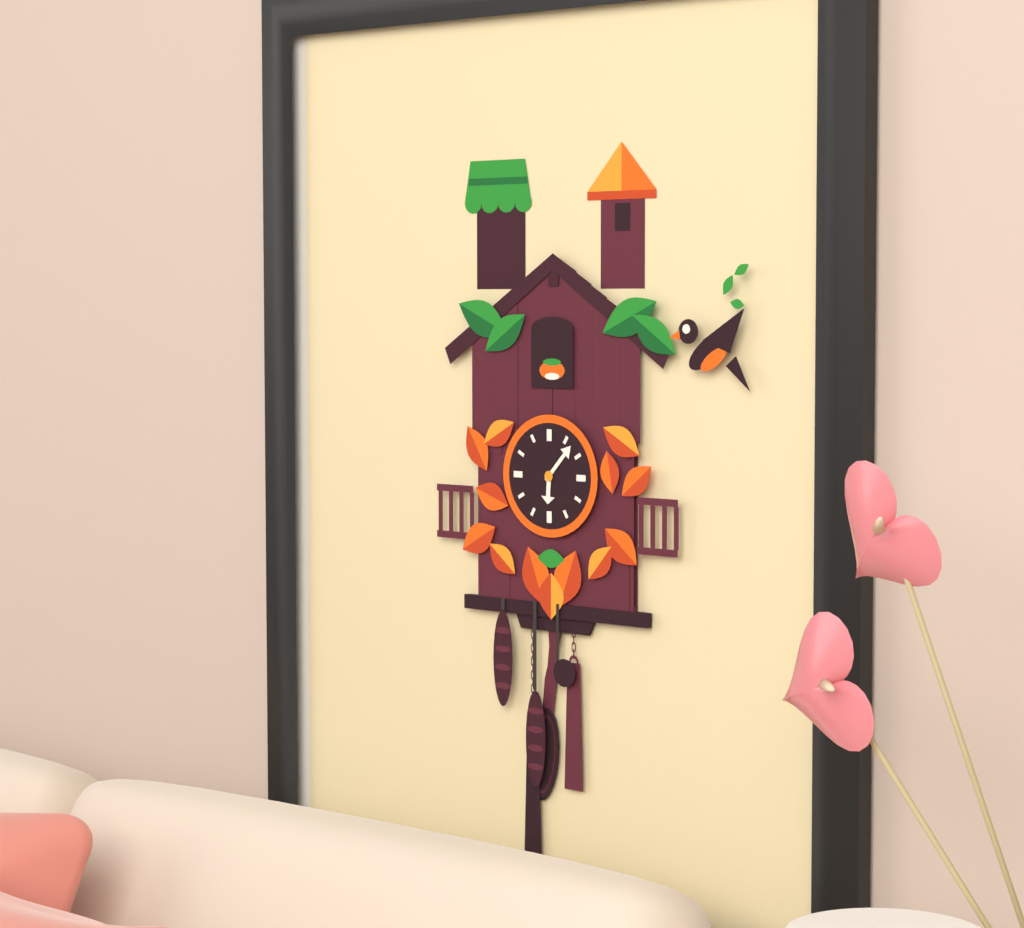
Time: **6:07**
